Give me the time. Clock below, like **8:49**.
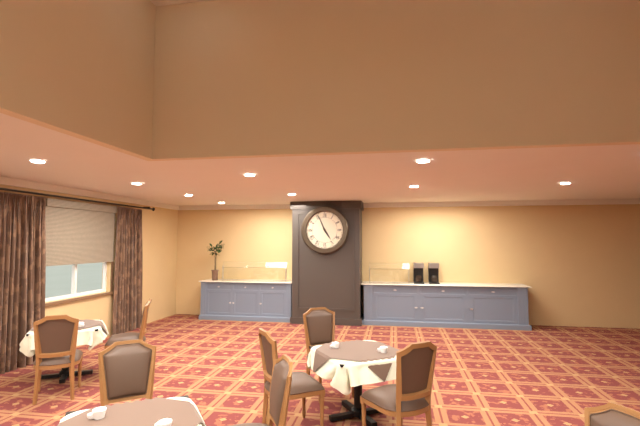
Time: **4:56**
